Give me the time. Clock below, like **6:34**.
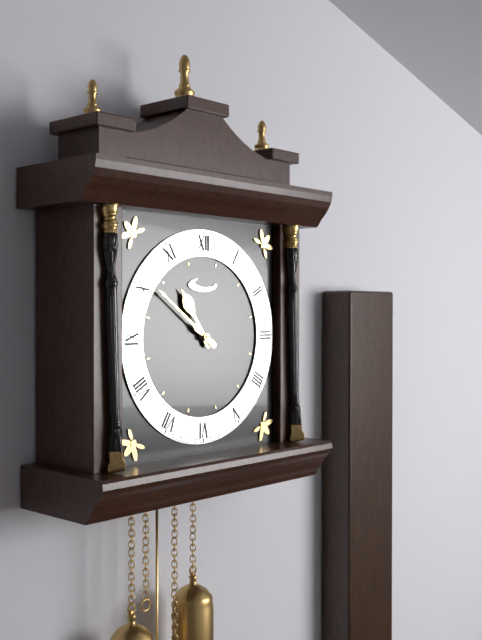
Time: **10:51**
